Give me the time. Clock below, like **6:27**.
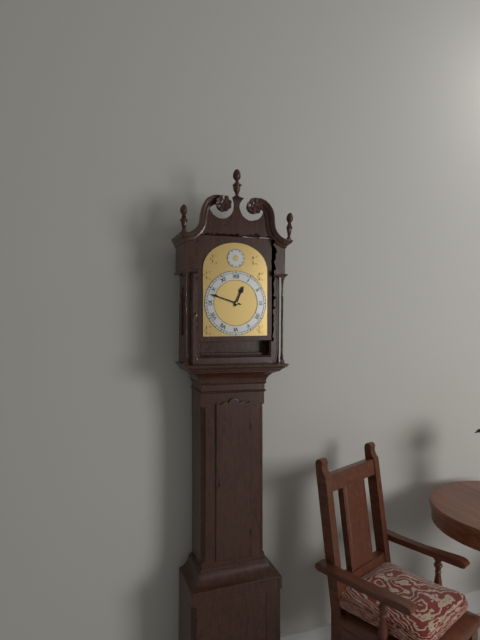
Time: **12:48**
